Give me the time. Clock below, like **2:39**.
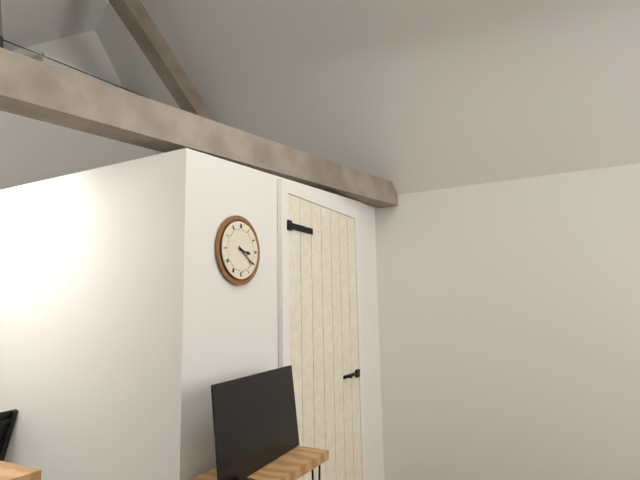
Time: **3:21**
